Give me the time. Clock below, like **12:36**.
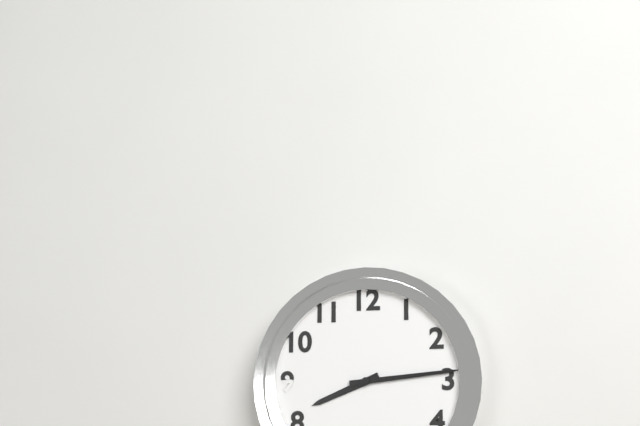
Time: **8:14**
